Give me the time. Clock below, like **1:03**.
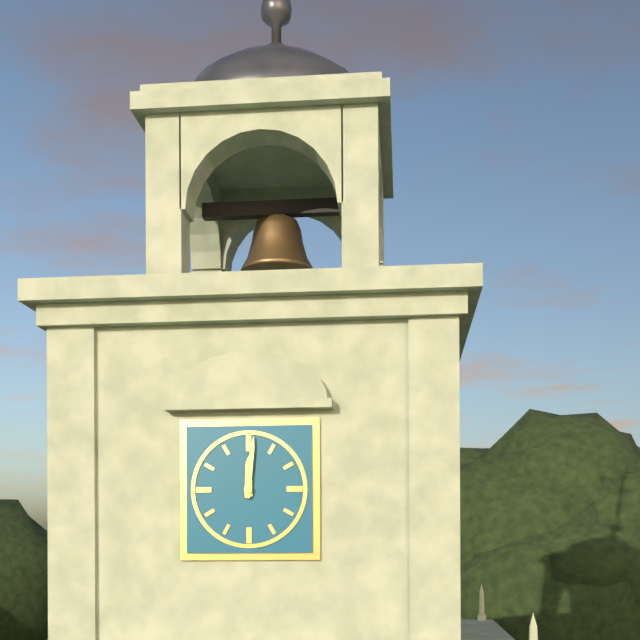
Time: **12:01**
